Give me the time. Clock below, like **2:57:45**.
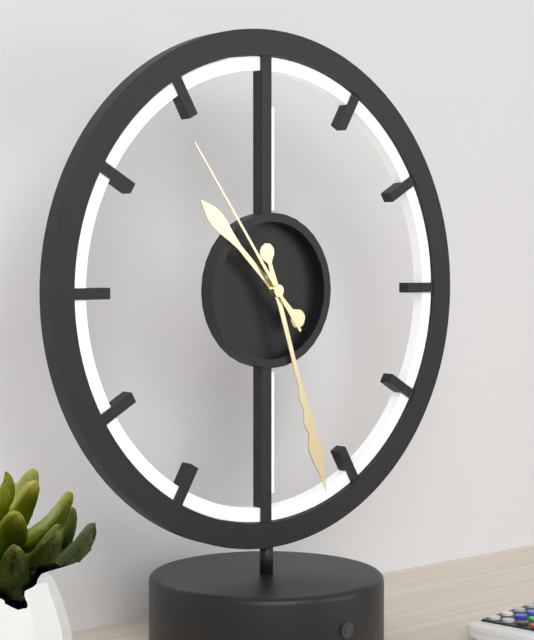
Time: **10:27:54**
